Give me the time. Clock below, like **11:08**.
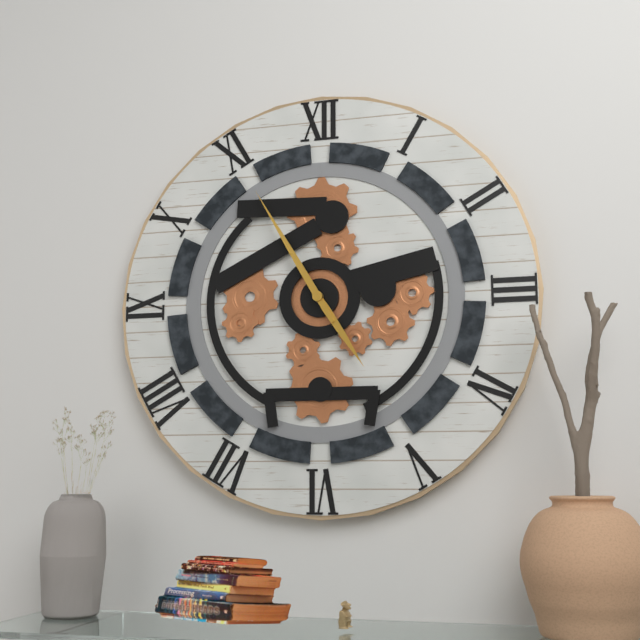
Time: **4:55**
